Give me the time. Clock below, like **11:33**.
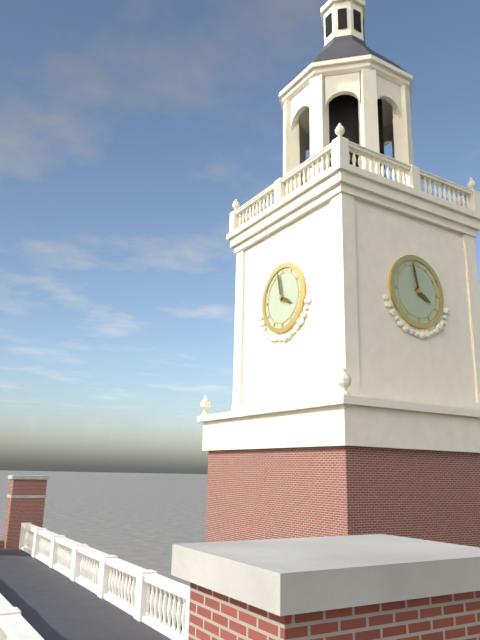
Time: **3:58**
